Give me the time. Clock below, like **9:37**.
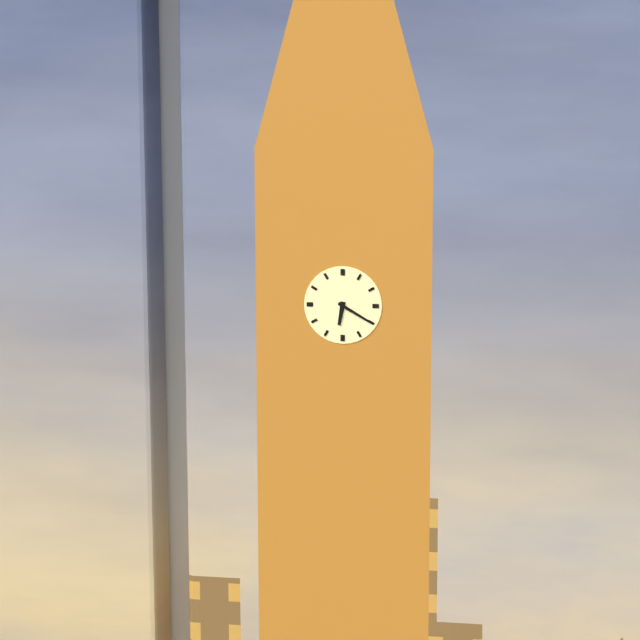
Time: **6:20**
